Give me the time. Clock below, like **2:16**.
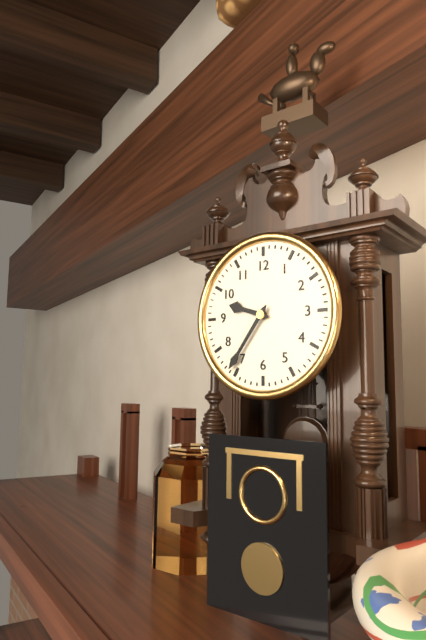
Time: **9:36**
